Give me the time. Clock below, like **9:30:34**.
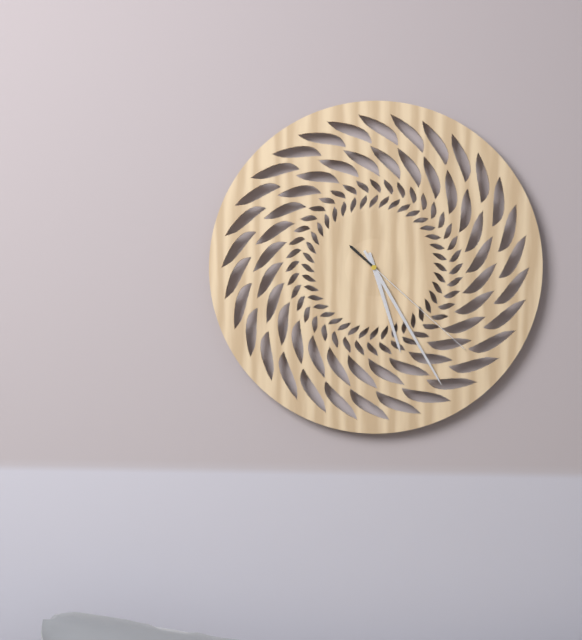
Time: **5:25:22**
